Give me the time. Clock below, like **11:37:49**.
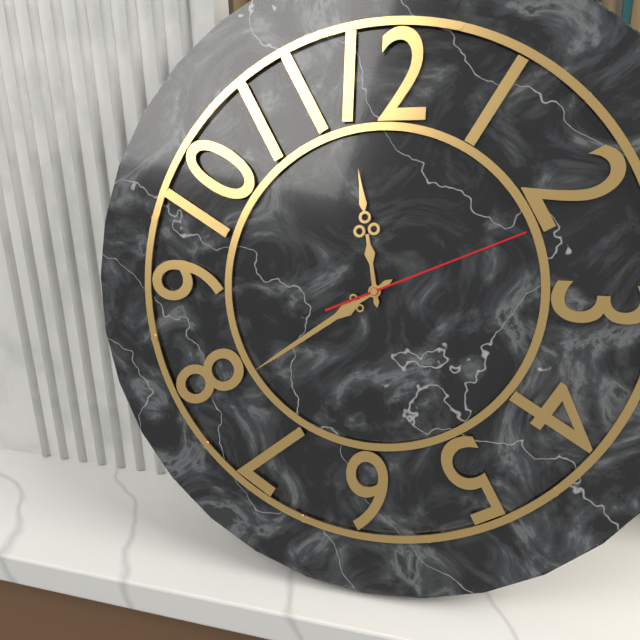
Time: **11:39:11**
